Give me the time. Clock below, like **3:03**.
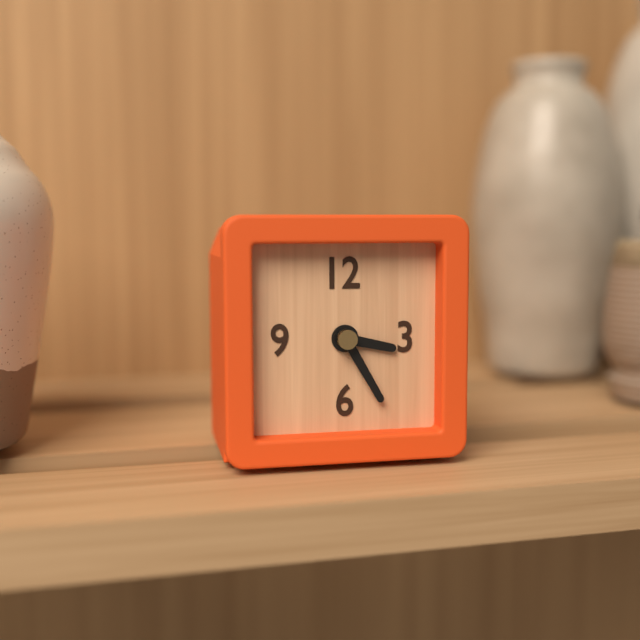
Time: **3:25**
